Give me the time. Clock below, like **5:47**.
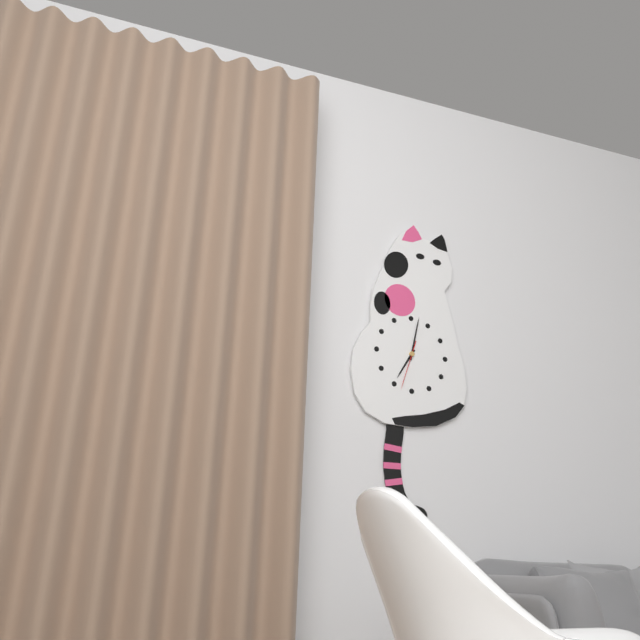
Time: **7:02**
